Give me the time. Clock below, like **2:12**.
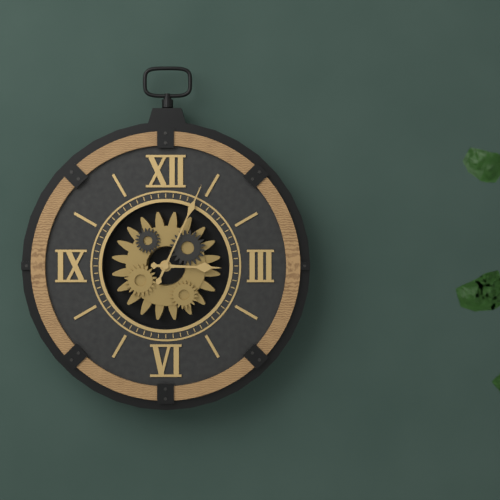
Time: **3:04**
